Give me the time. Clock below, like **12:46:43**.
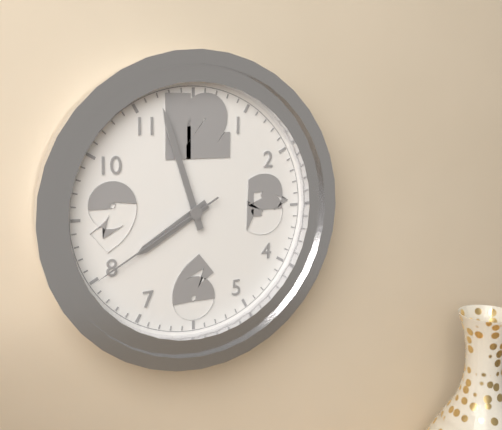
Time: **7:57:40**
